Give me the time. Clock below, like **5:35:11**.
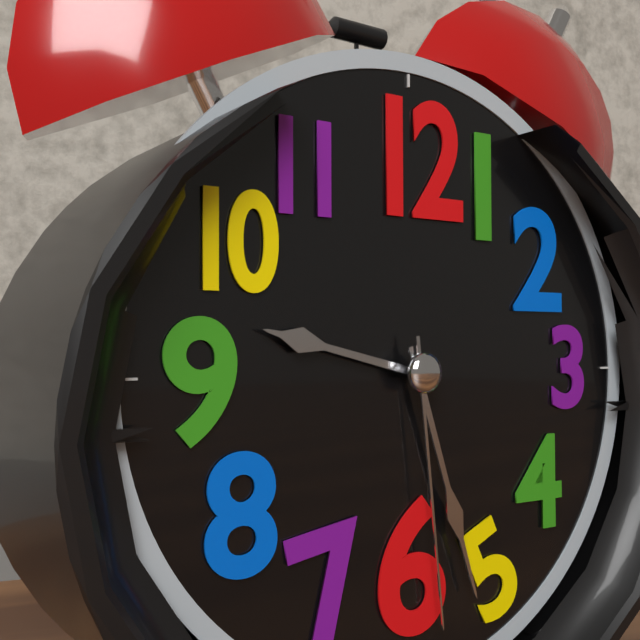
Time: **9:27:29**
